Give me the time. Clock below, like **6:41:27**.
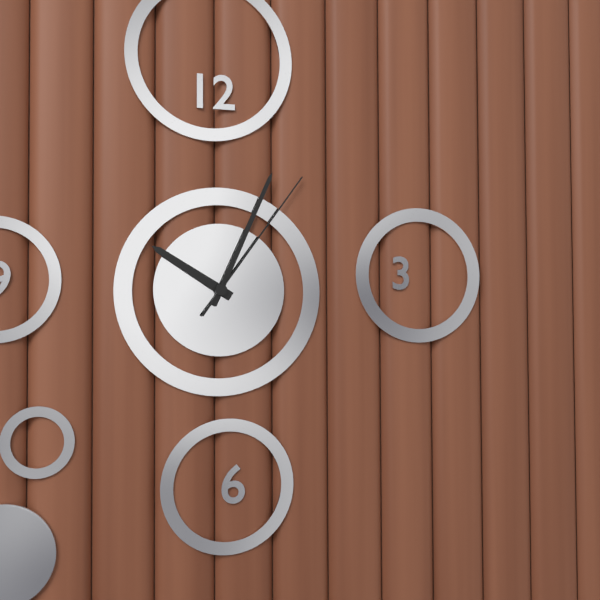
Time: **10:04:06**
